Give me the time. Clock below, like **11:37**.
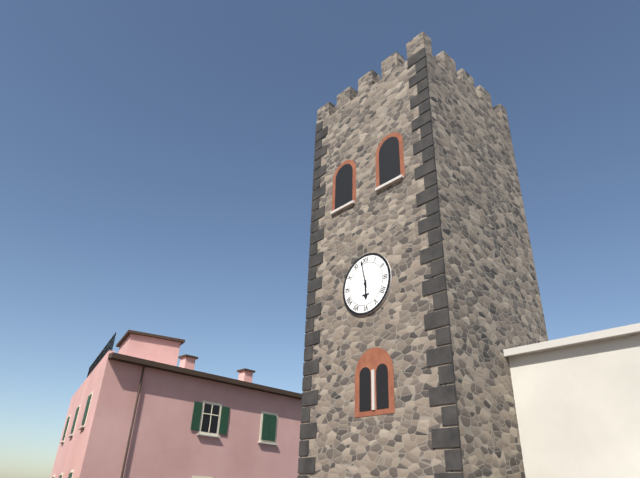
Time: **5:58**
